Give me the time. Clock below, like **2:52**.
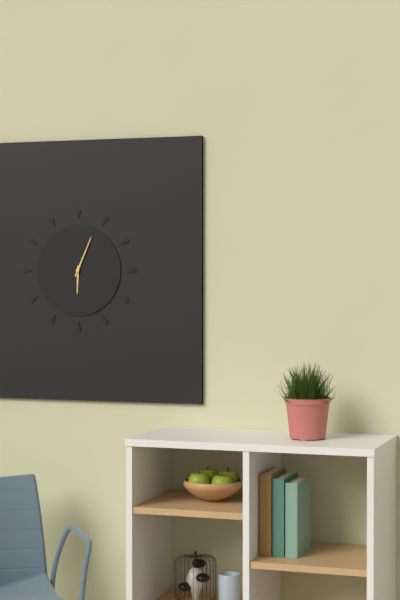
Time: **6:04**
